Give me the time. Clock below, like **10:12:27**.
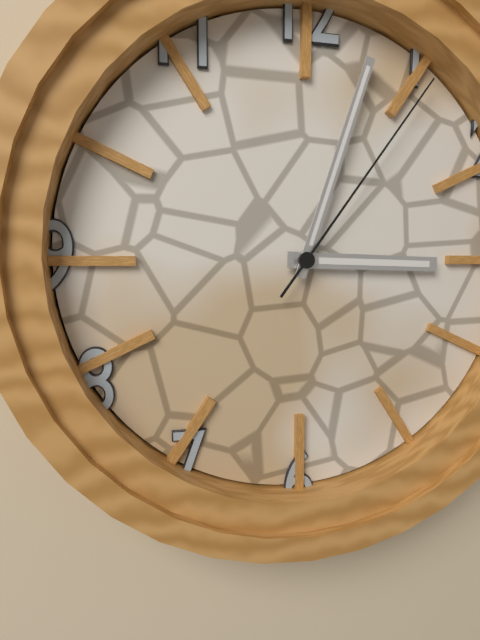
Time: **3:03:06**
